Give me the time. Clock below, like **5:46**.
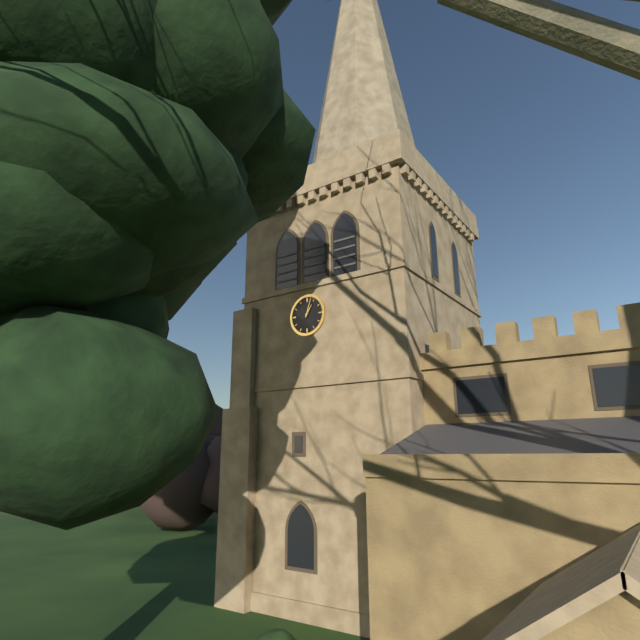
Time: **1:03**
